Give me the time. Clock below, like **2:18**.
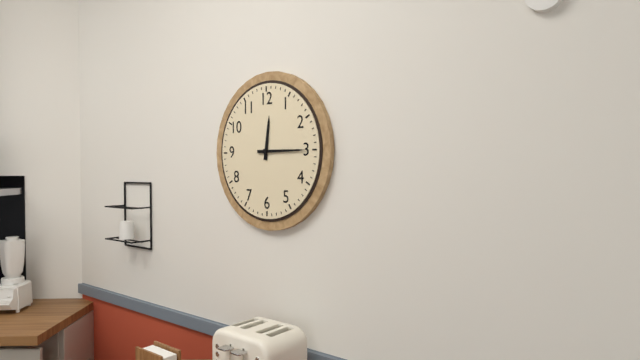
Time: **12:15**
